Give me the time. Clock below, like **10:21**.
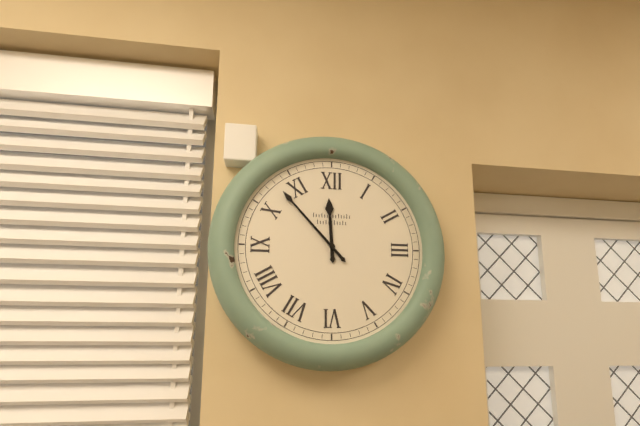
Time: **11:53**
